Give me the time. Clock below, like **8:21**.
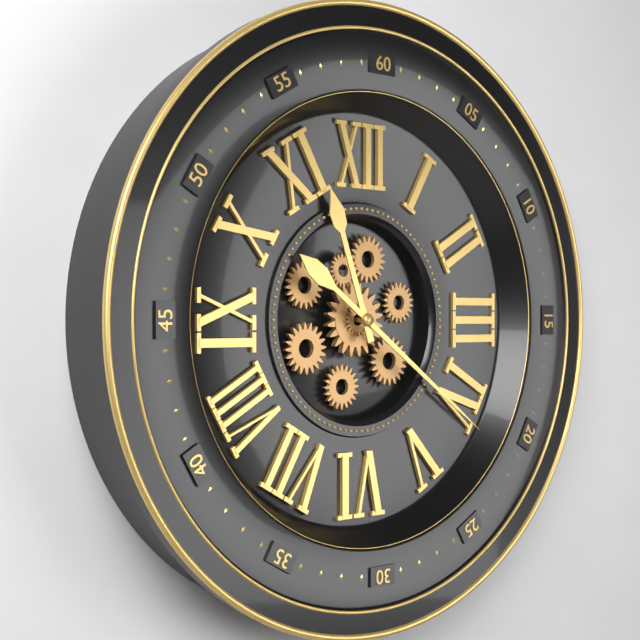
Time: **11:21**
